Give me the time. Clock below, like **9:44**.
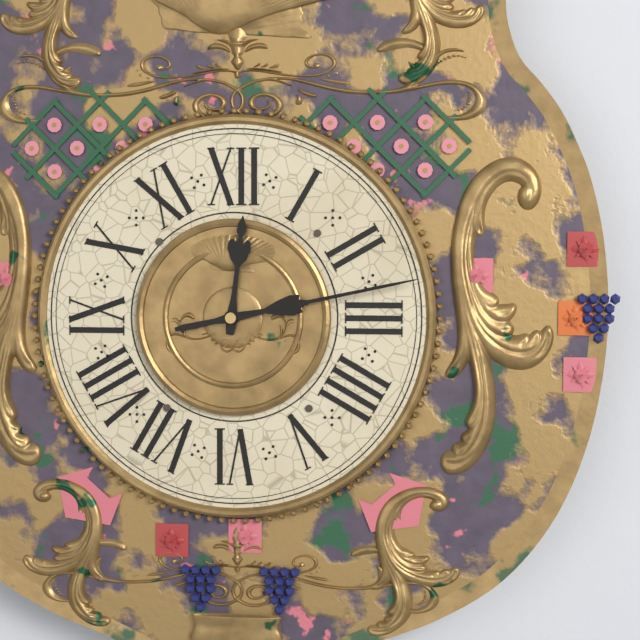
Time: **12:13**
